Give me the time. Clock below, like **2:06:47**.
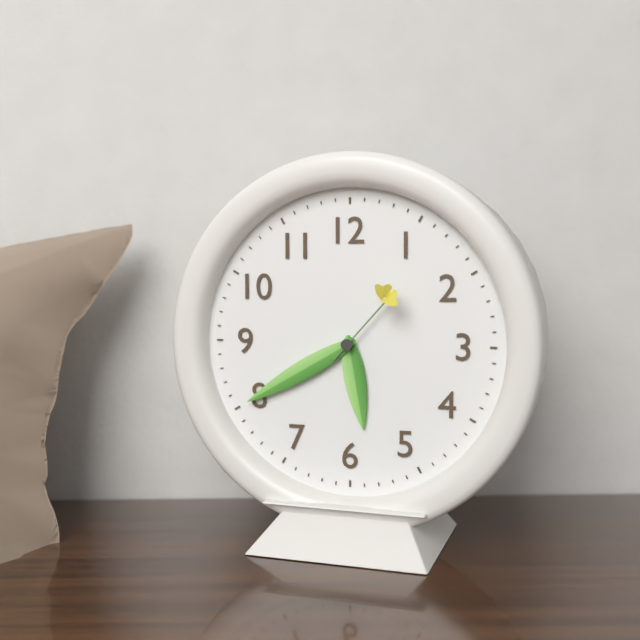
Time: **5:40:07**
